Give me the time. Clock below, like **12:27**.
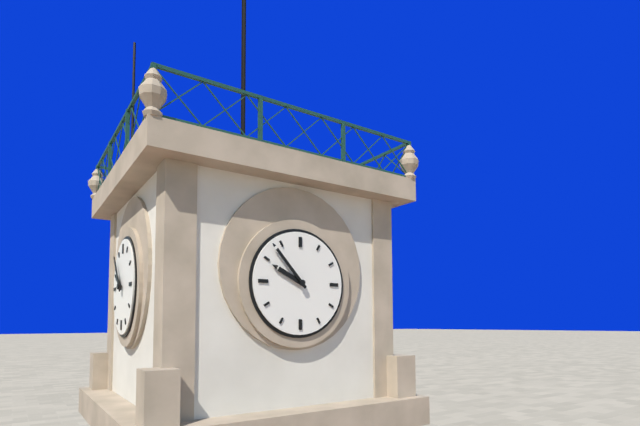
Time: **9:53**
